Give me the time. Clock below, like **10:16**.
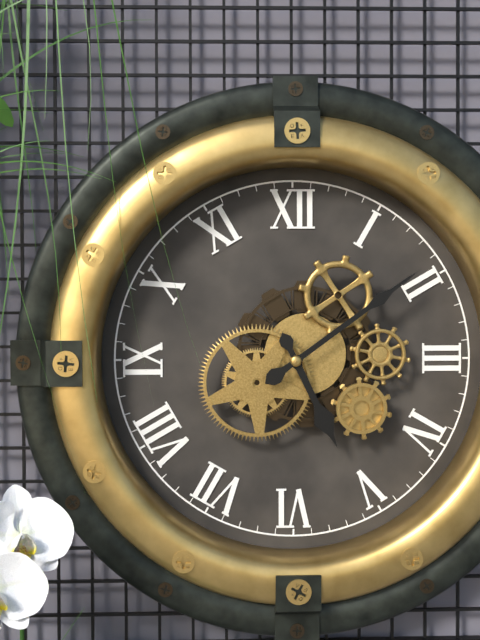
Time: **5:09**
